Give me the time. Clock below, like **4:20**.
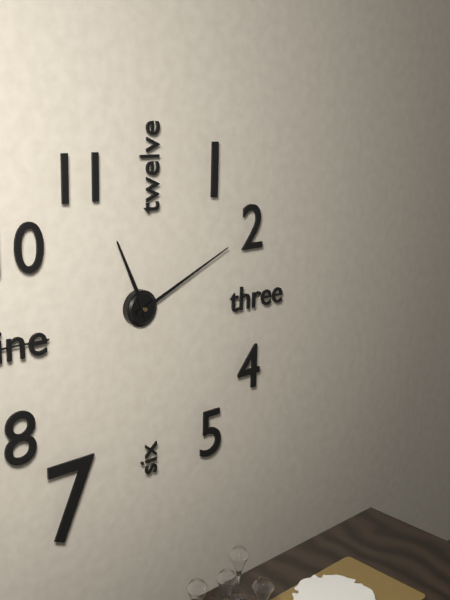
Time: **11:11**
